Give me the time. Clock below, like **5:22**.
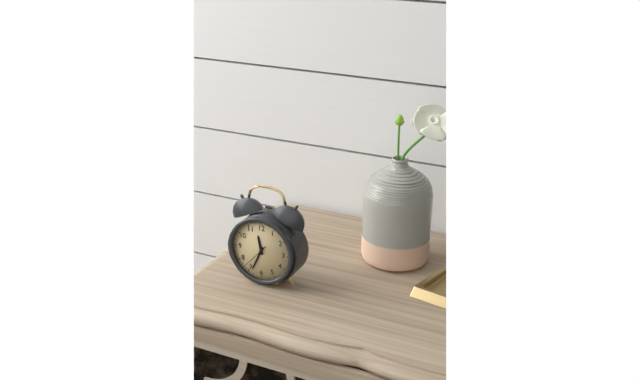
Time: **11:34**
